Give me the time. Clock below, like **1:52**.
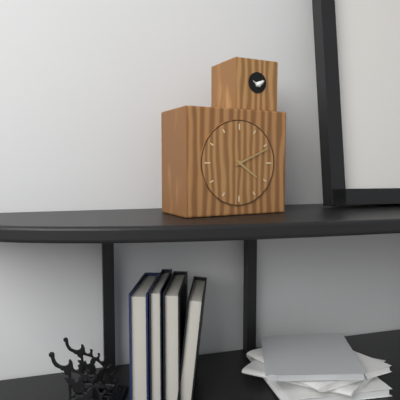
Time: **4:11**
